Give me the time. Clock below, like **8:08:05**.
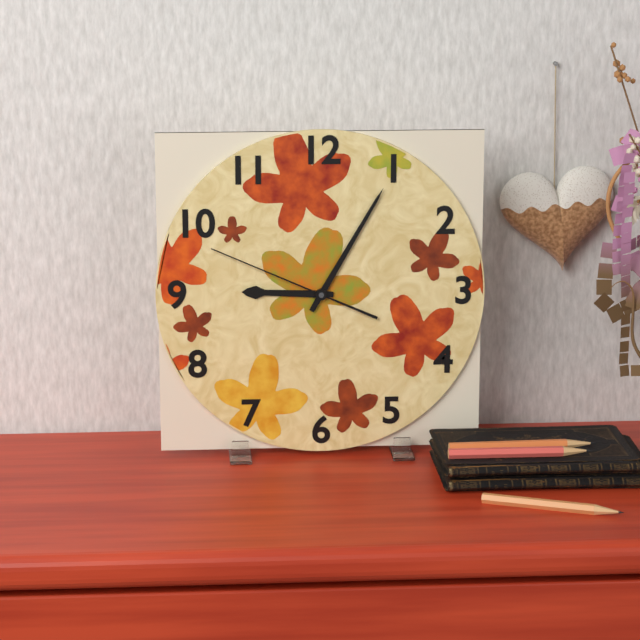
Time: **9:05:49**
